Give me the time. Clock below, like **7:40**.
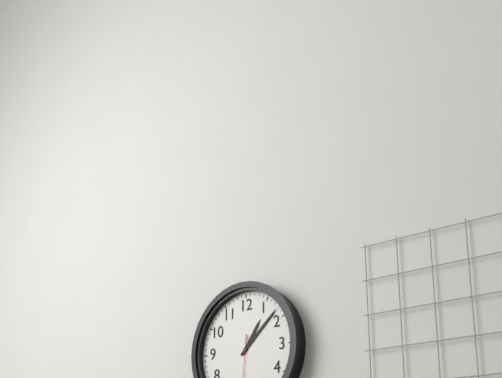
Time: **1:08**
